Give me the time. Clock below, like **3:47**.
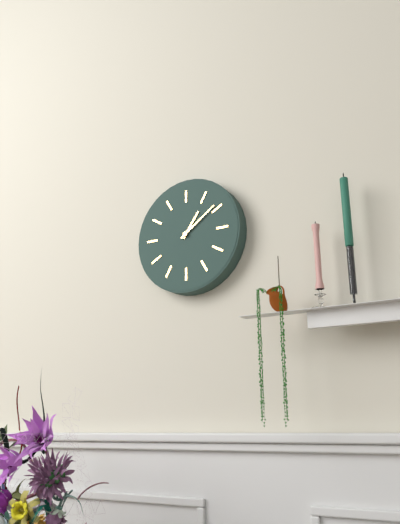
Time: **1:09**
